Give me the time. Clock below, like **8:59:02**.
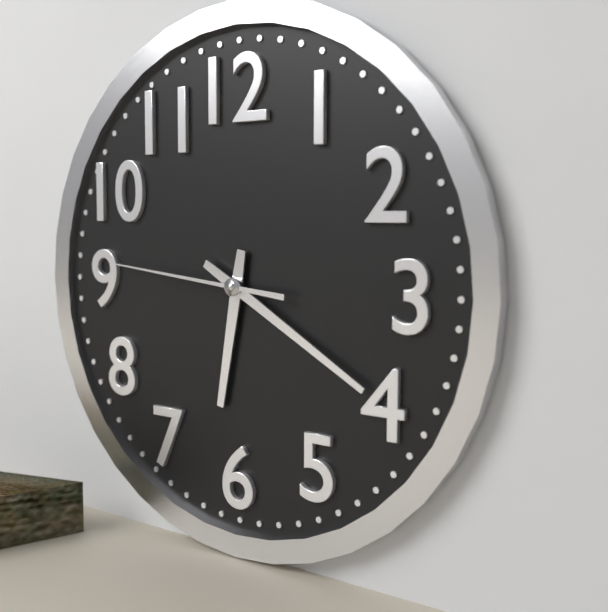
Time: **6:20:46**
